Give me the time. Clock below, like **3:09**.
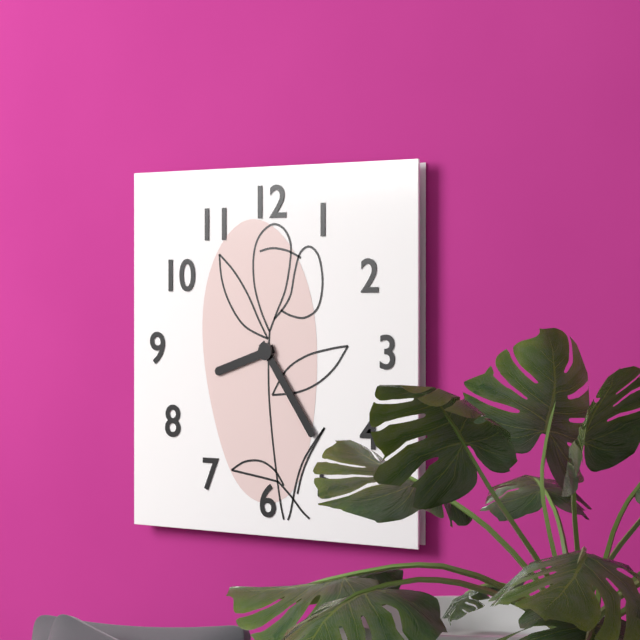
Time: **8:24**
